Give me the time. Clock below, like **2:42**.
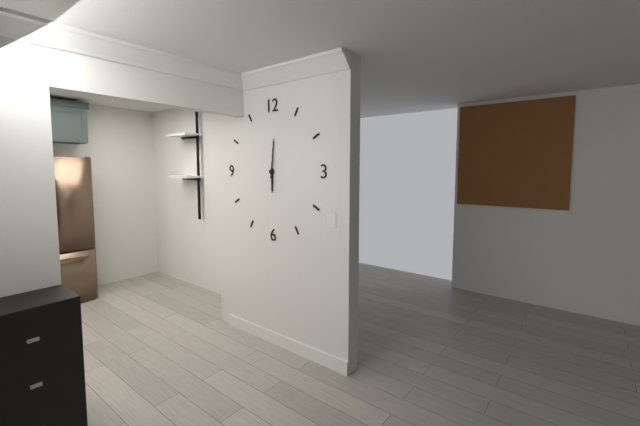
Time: **6:01**
